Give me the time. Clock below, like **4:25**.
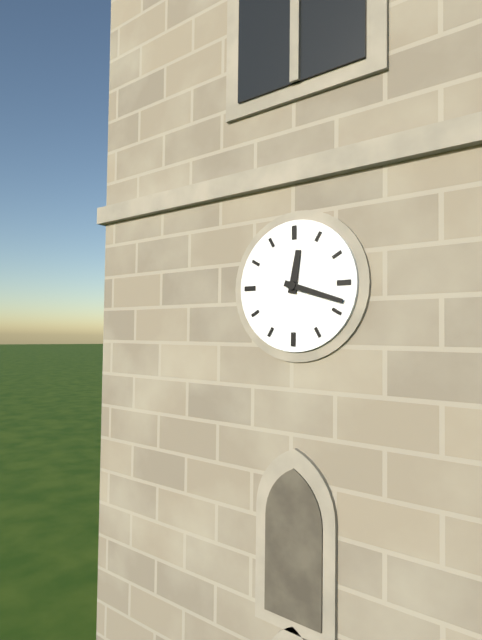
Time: **12:18**
